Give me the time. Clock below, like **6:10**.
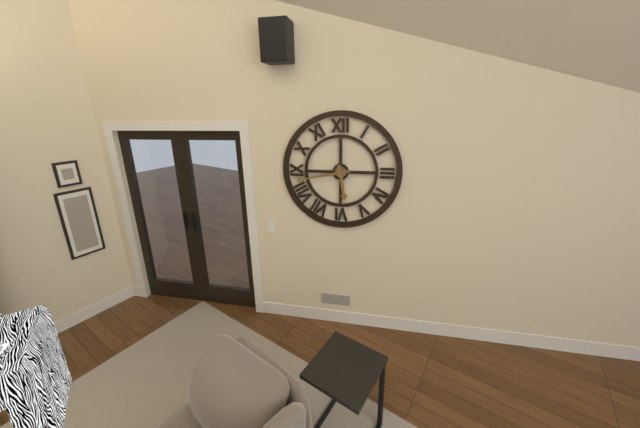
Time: **5:43**
